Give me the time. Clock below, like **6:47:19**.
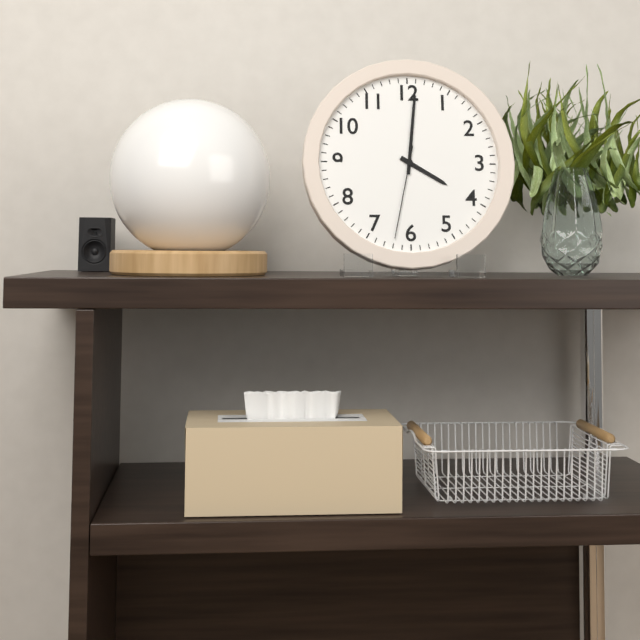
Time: **4:01:32**
